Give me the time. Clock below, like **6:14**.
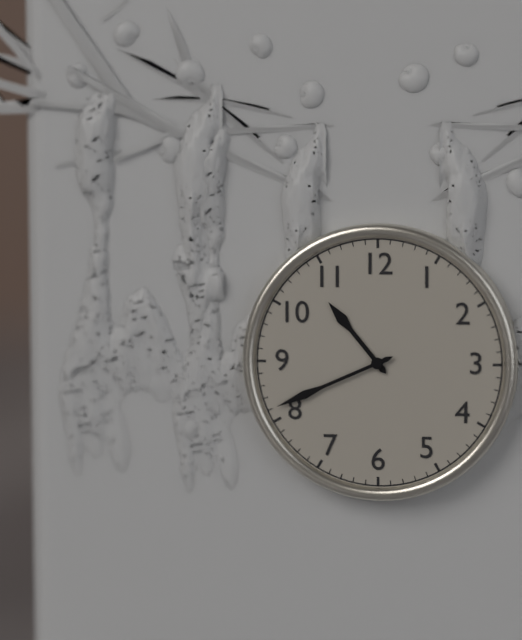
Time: **10:41**
